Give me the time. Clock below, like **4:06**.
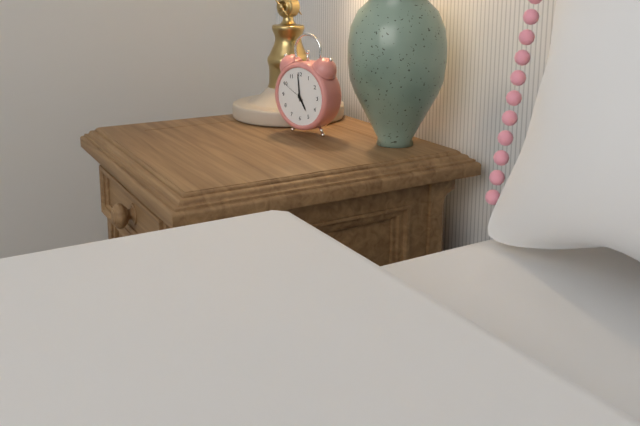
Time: **4:59**
